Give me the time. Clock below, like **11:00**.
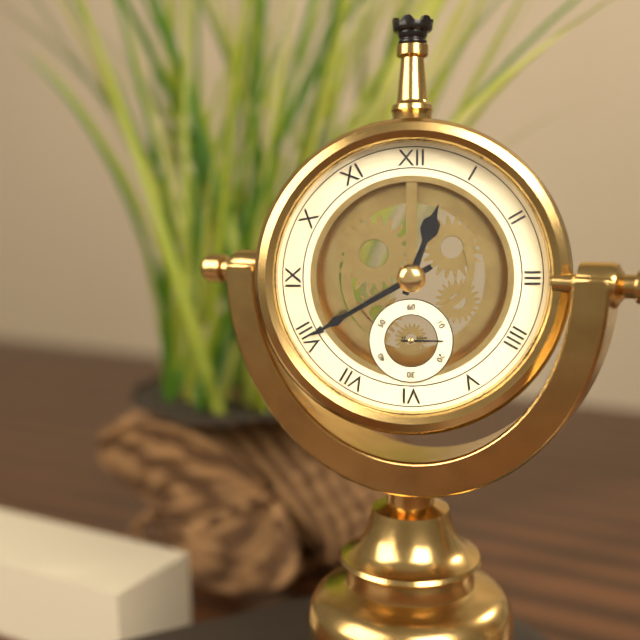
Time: **12:40**
